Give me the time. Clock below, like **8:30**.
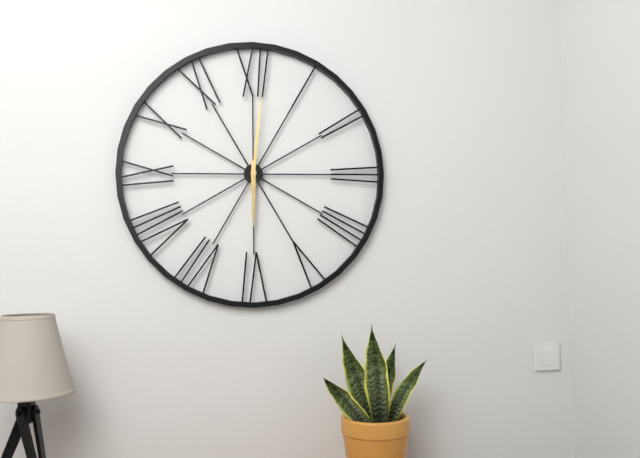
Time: **6:01**
